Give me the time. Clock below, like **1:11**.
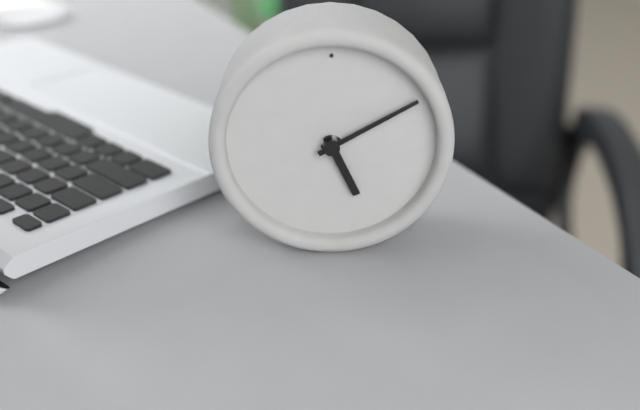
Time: **5:10**
